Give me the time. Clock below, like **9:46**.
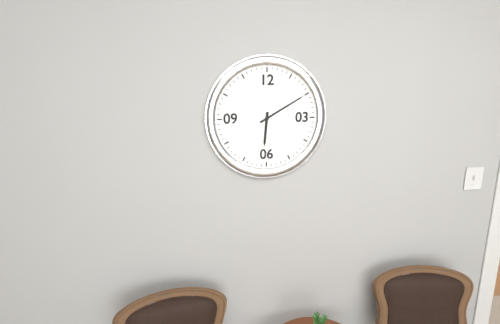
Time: **6:10**
